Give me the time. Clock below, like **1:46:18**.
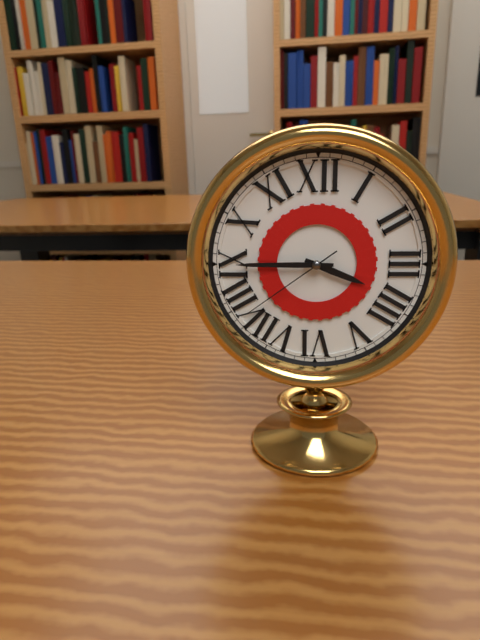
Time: **3:45:39**
